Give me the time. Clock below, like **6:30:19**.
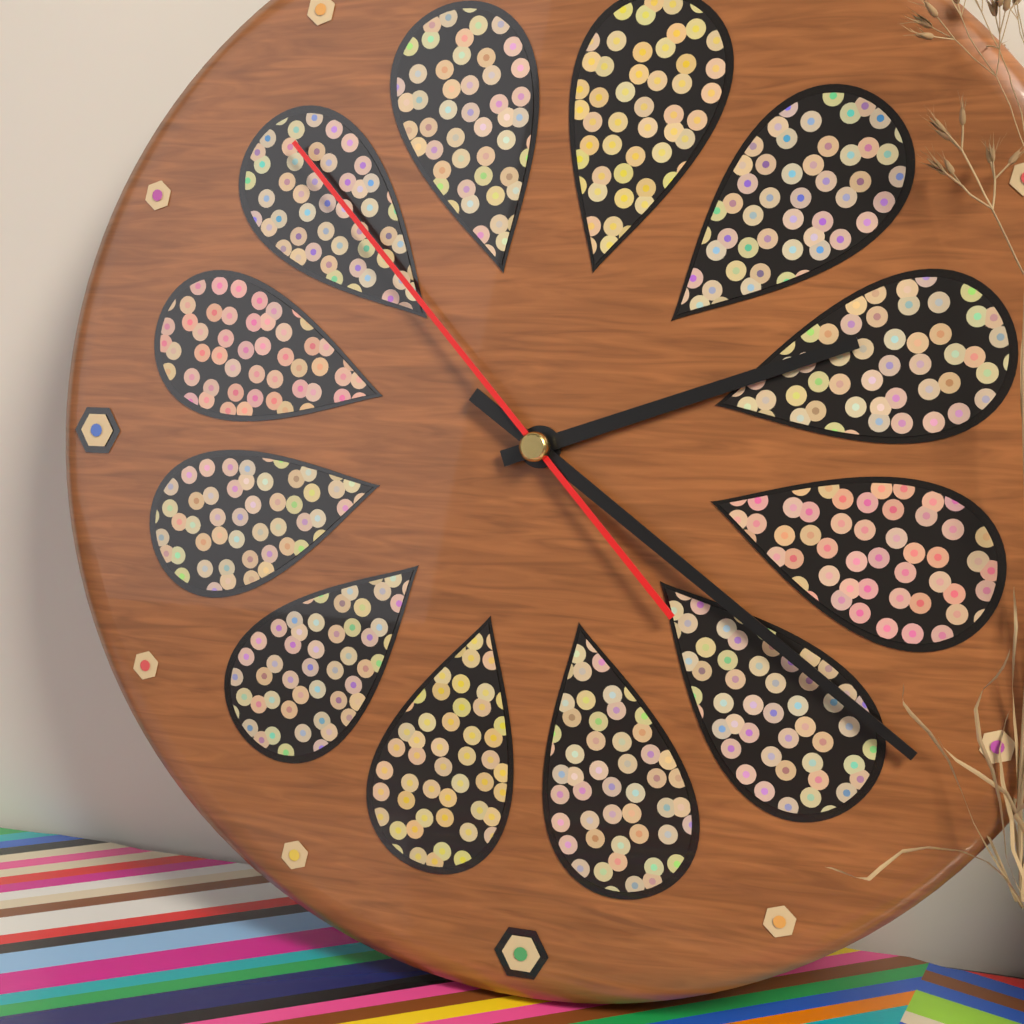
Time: **2:21:53**
